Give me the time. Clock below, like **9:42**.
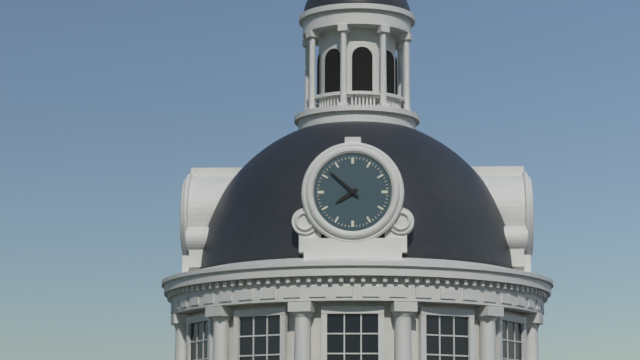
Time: **7:52**
